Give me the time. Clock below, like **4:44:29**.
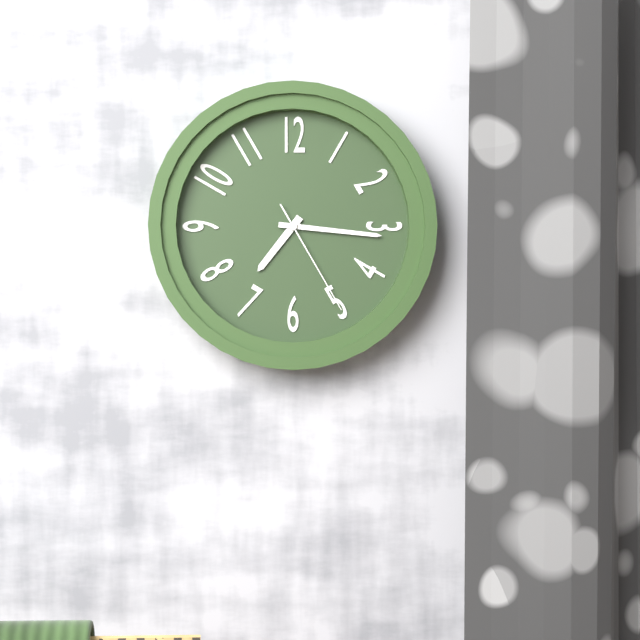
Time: **7:16:25**
